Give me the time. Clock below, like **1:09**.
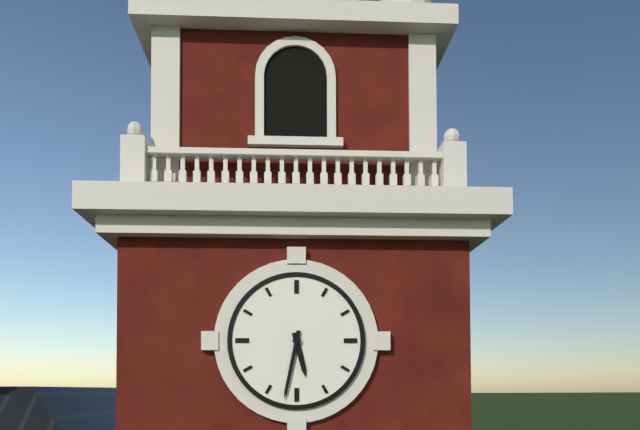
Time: **5:32**
